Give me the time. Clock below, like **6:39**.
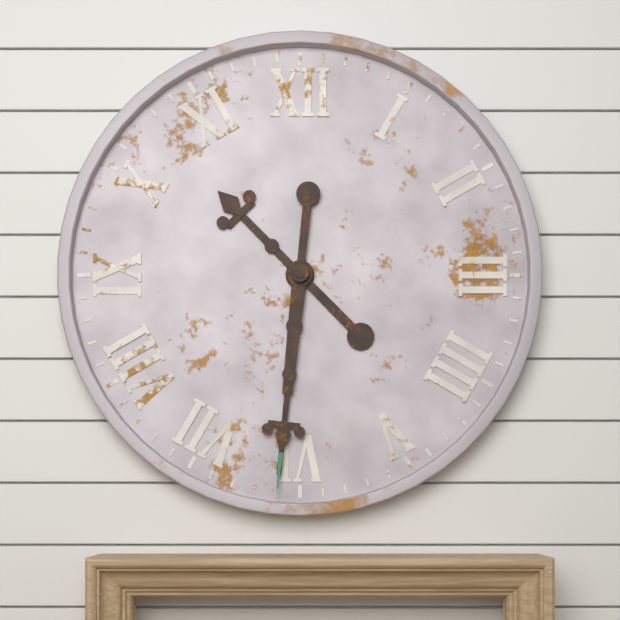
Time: **10:31**
